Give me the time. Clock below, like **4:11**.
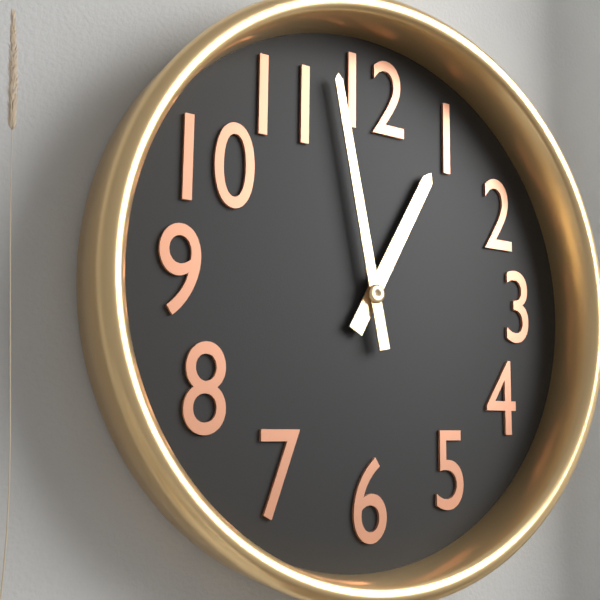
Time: **12:58**
